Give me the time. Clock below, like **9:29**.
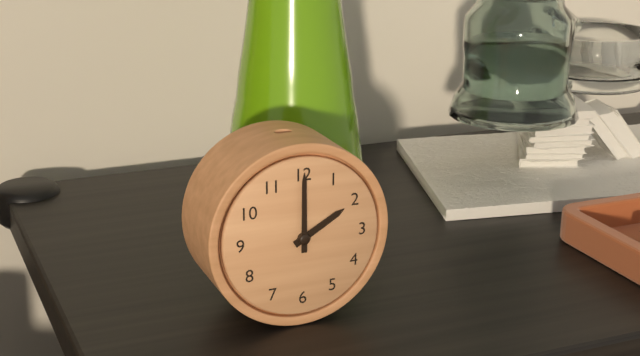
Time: **2:00**
